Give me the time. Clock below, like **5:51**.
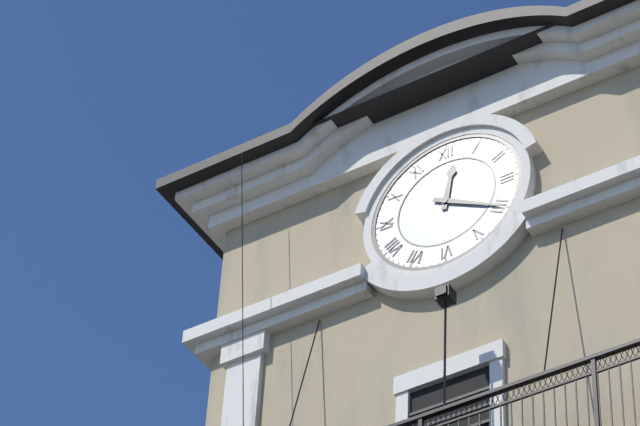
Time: **12:20**
